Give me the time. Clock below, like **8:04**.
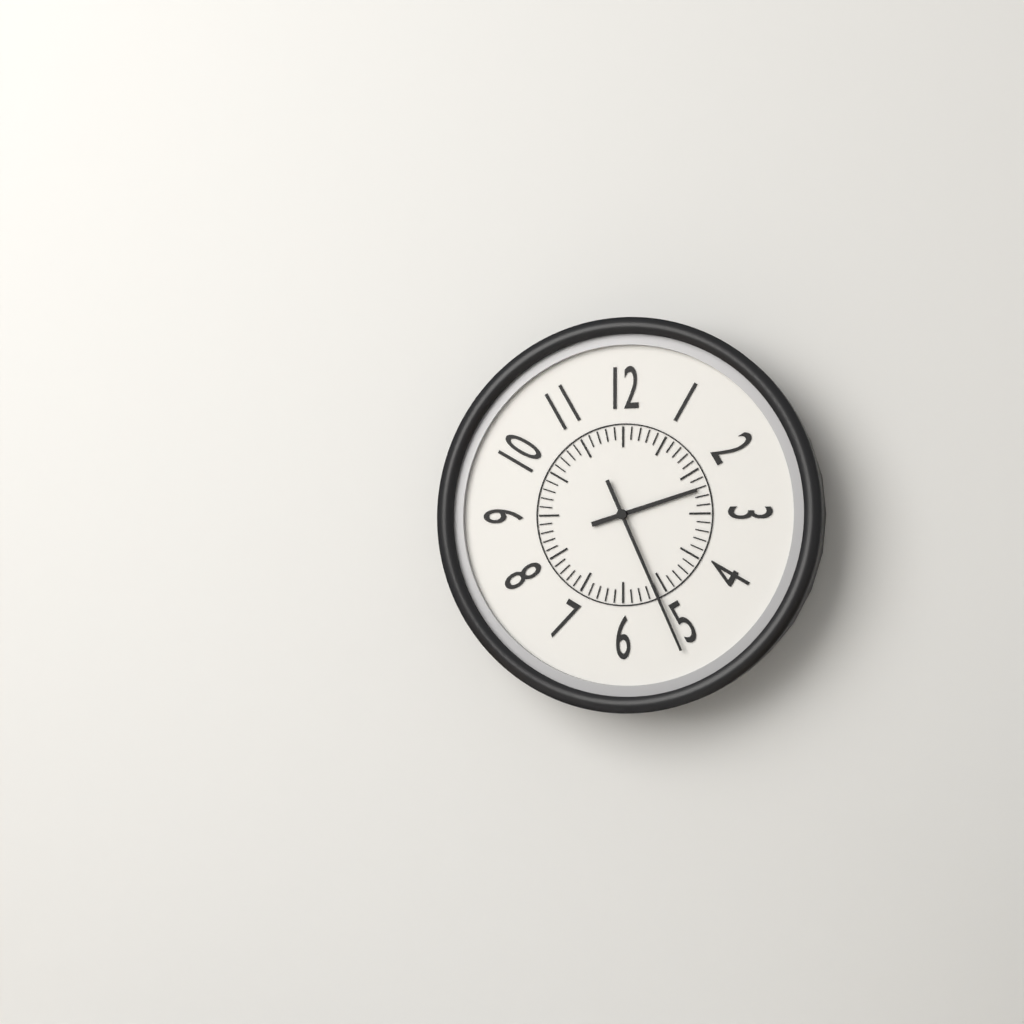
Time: **2:26**
